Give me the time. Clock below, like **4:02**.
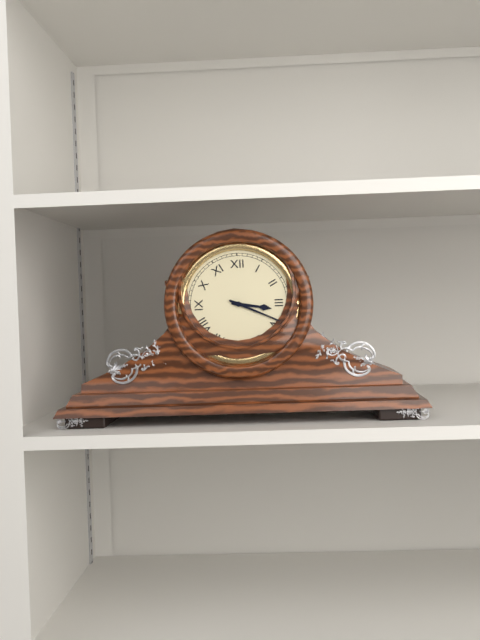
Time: **3:19**
